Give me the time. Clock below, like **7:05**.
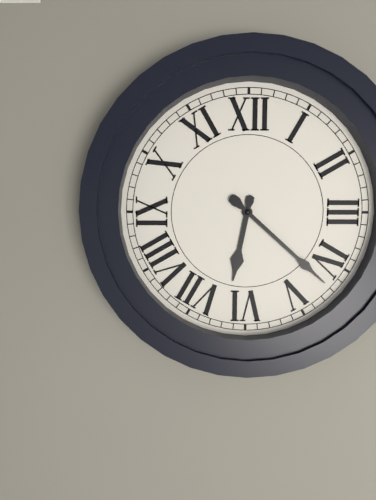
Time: **6:22**
